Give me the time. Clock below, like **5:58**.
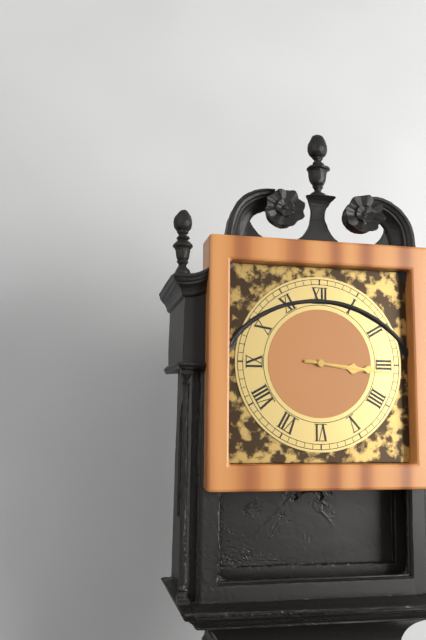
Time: **3:16**
